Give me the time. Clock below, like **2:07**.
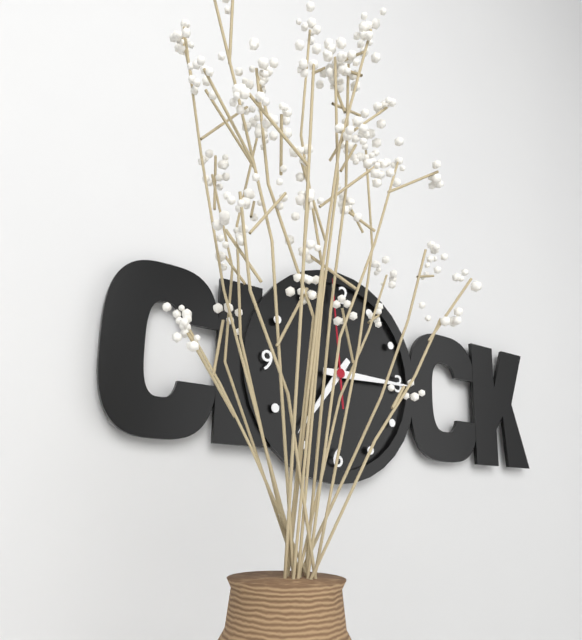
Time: **7:15**
